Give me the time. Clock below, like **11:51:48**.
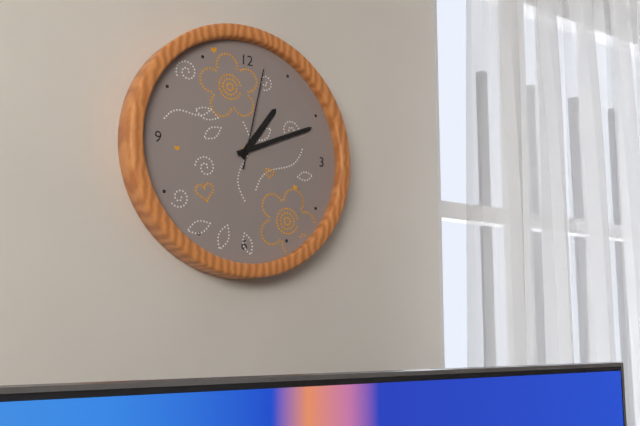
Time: **1:11:02**
